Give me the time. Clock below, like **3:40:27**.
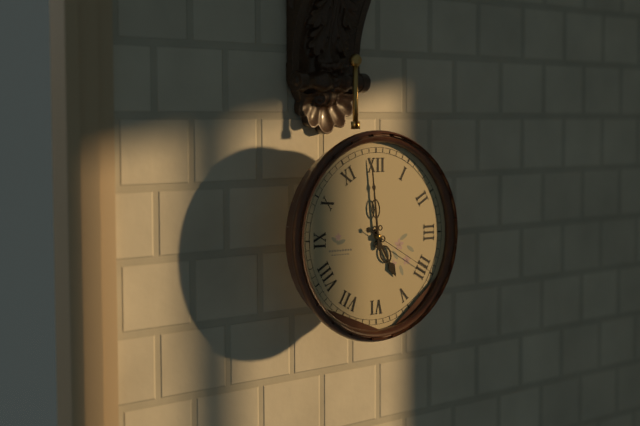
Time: **4:59:20**
